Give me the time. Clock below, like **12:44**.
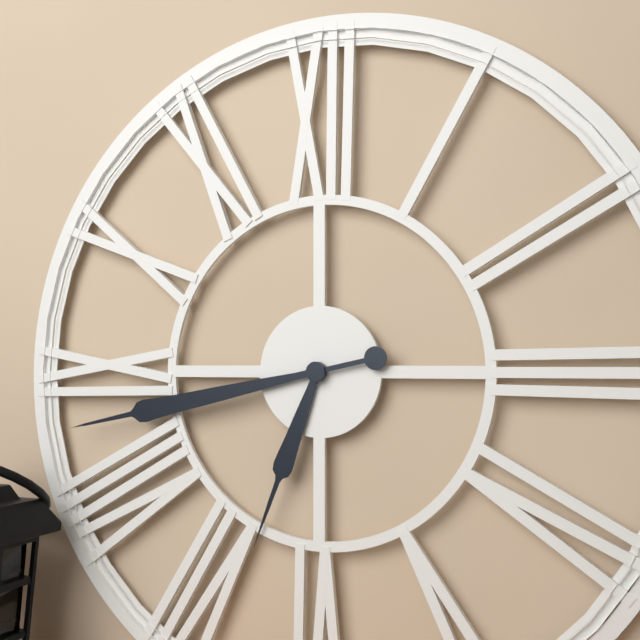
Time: **6:43**
